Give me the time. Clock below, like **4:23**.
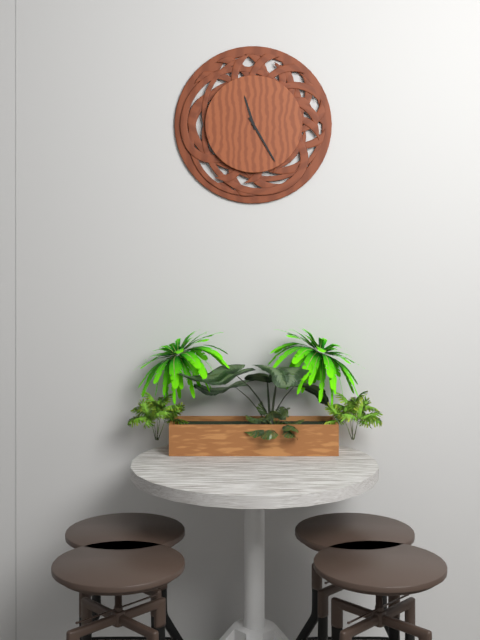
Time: **11:25**
